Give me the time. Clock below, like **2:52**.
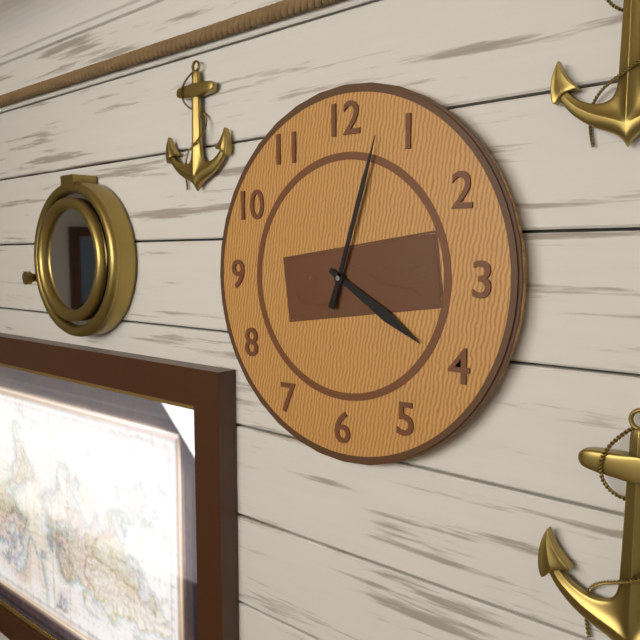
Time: **4:03**
